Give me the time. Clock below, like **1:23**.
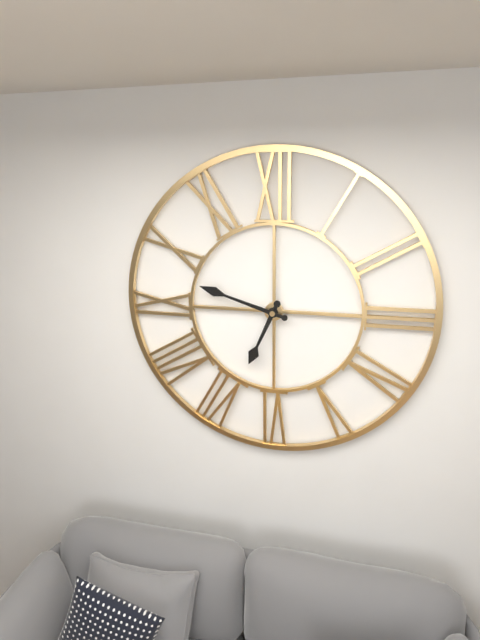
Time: **6:48**
